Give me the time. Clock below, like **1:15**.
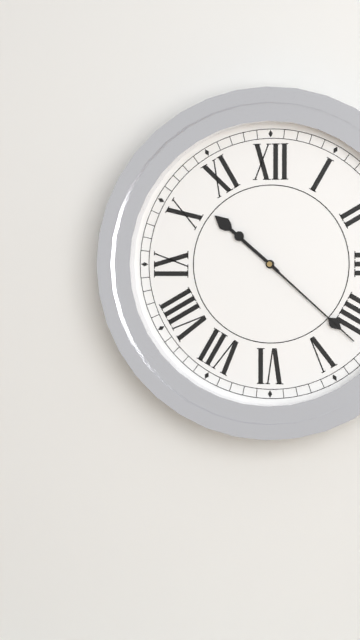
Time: **10:22**
